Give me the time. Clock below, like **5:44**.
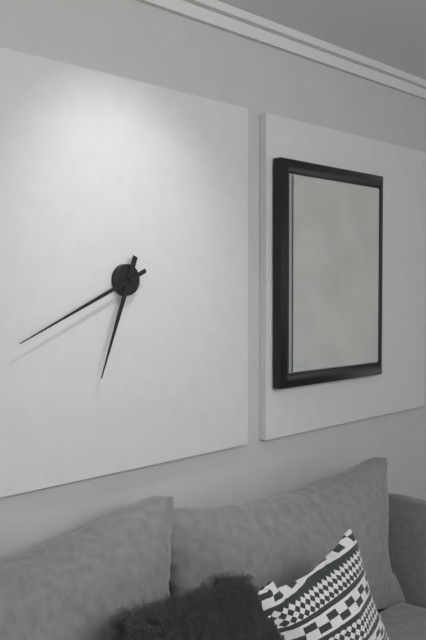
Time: **6:41**
